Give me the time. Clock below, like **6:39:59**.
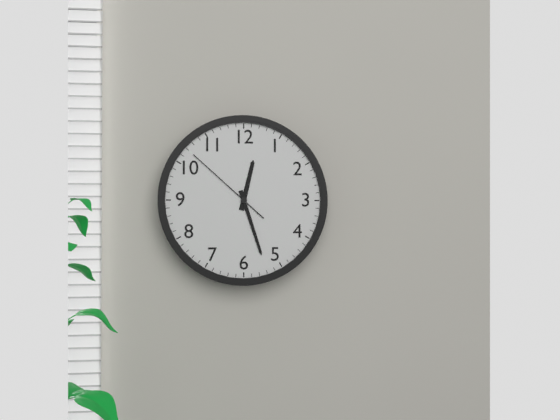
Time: **12:27:52**
